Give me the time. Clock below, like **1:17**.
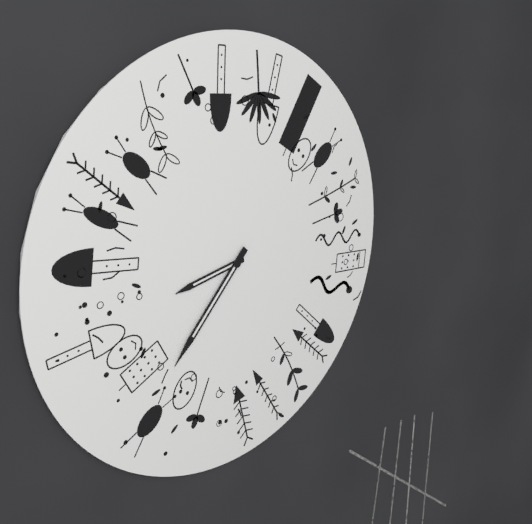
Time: **8:37**
